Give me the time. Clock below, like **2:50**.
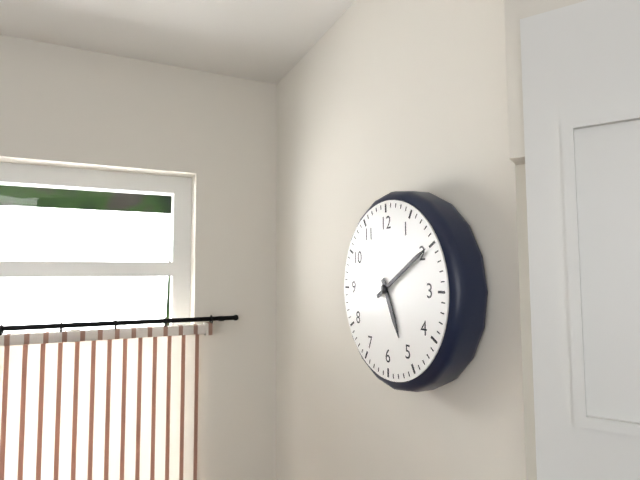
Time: **5:10**
